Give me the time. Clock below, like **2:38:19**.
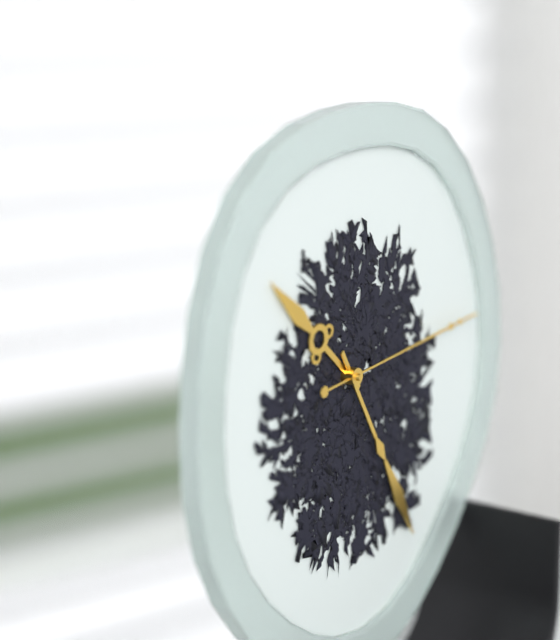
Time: **10:25:14**
